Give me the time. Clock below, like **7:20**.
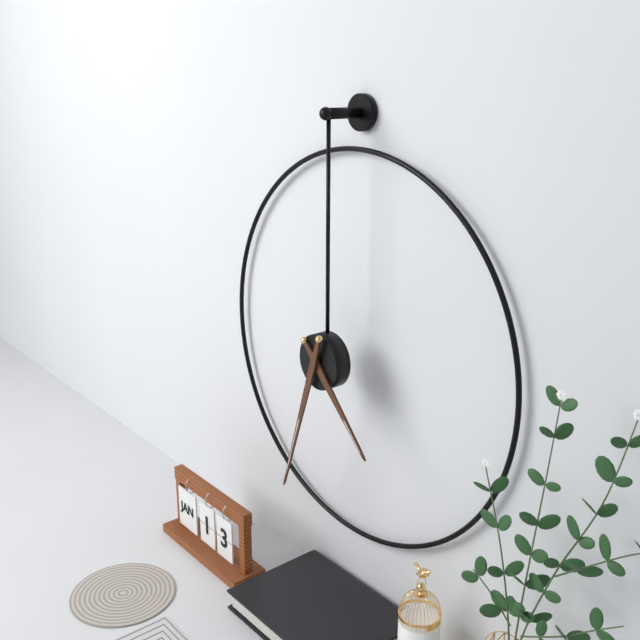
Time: **4:33**
